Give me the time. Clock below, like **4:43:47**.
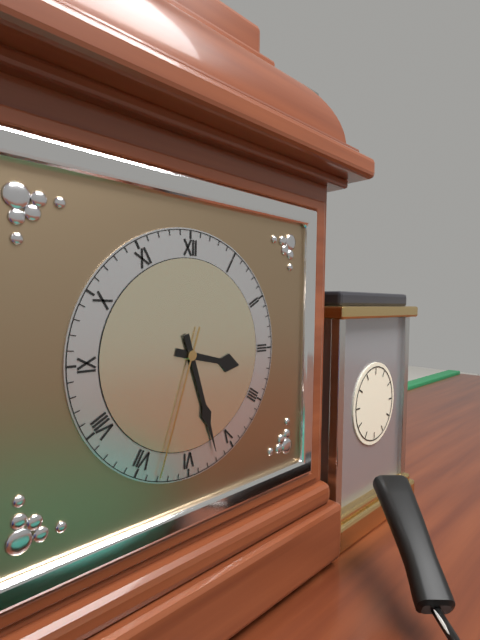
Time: **3:27:33**
